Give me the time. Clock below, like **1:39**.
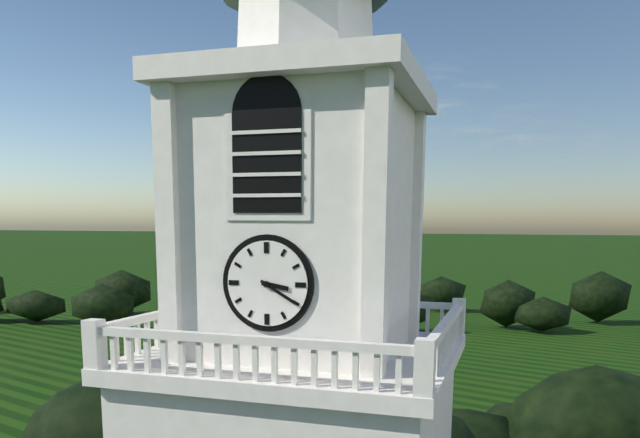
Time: **3:20**
